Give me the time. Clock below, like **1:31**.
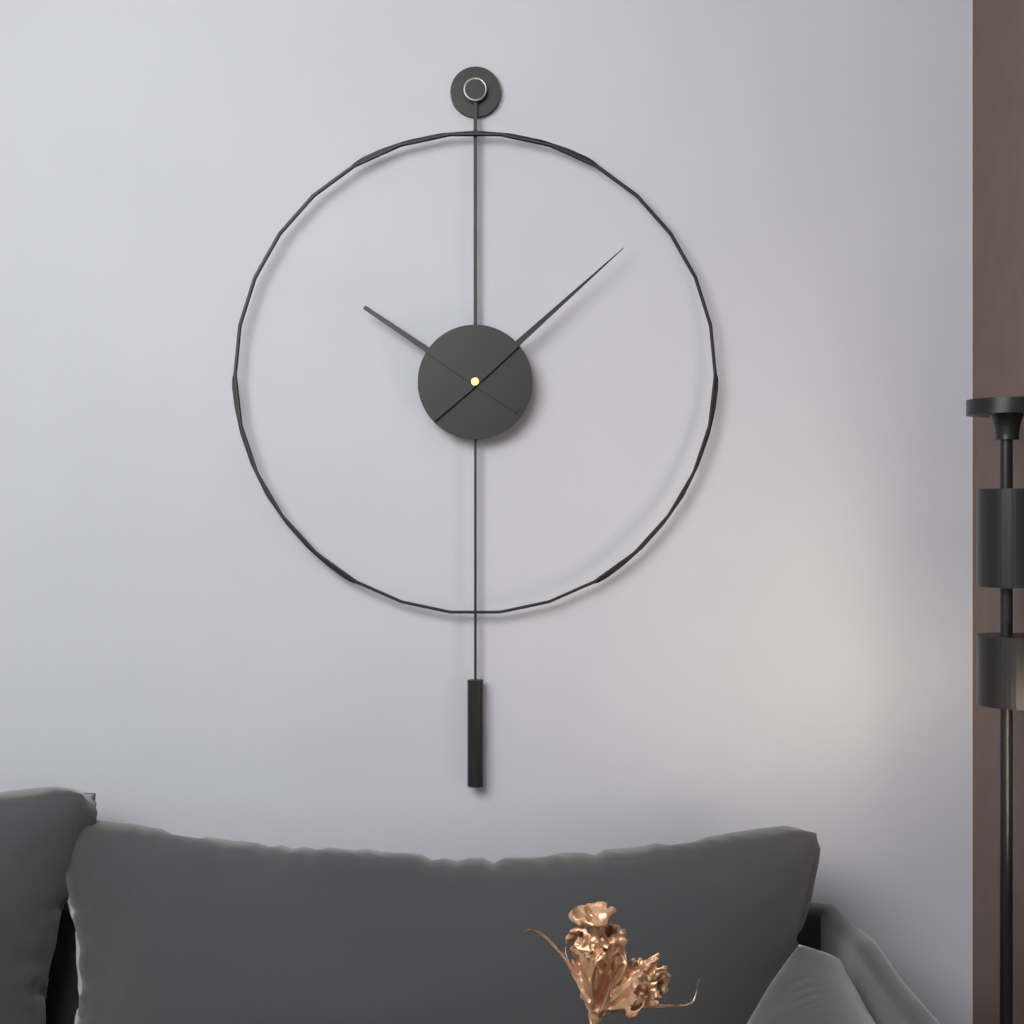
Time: **10:08**
